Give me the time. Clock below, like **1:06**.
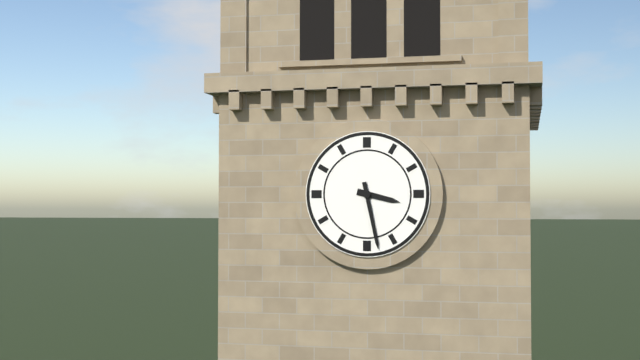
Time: **3:28**
